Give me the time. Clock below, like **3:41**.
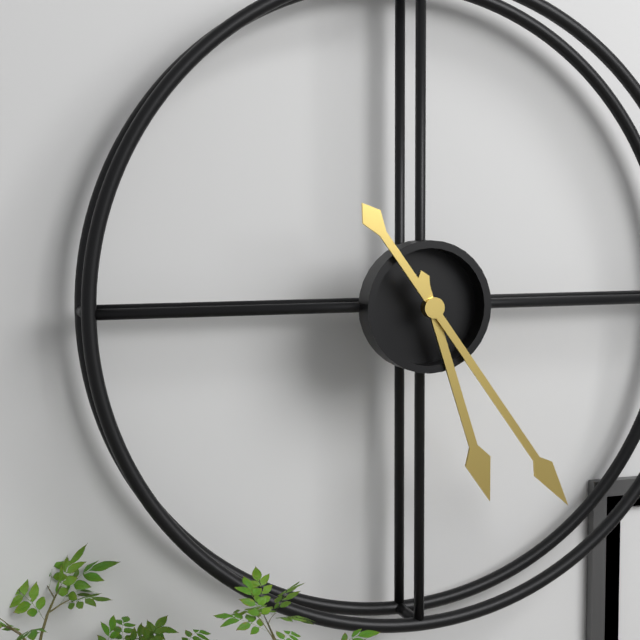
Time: **5:24**
